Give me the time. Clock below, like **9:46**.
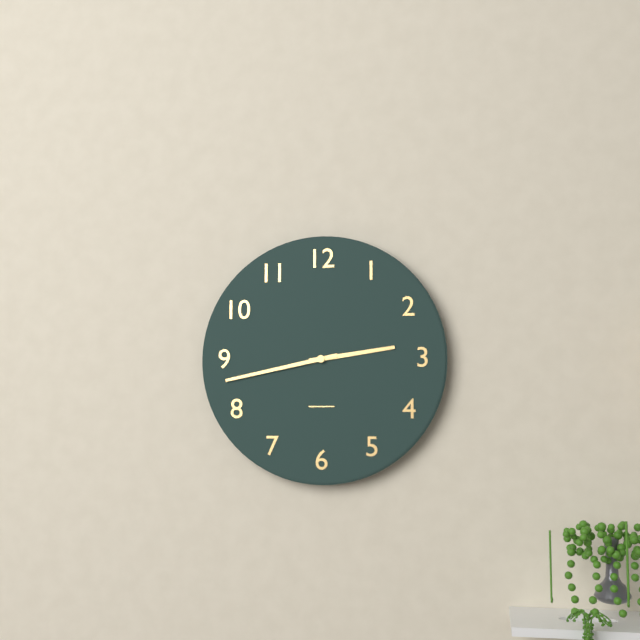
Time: **2:43**
